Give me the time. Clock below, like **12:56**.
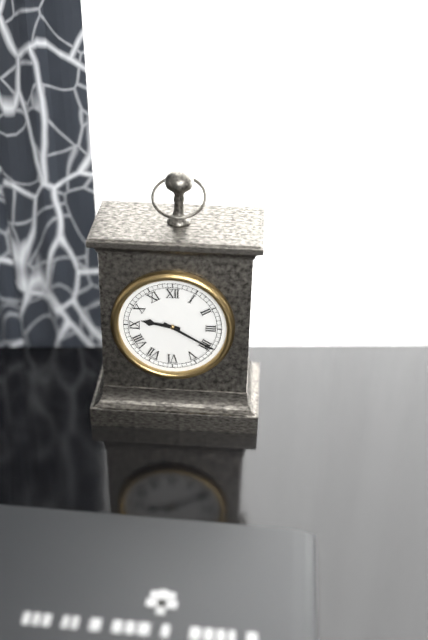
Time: **9:20**
